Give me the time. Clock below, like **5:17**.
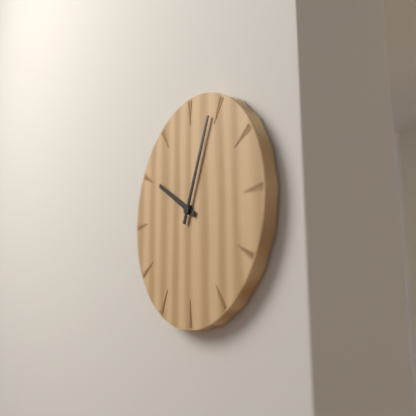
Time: **10:04**
